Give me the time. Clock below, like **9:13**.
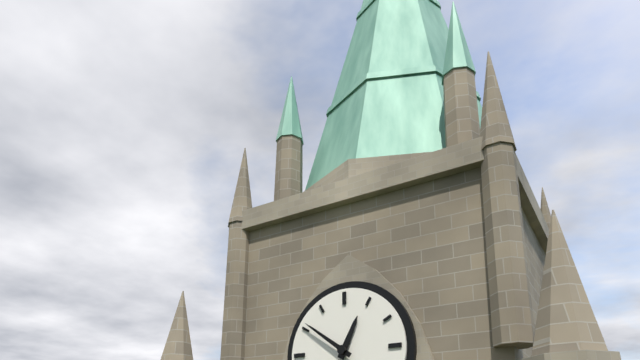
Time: **12:51**
